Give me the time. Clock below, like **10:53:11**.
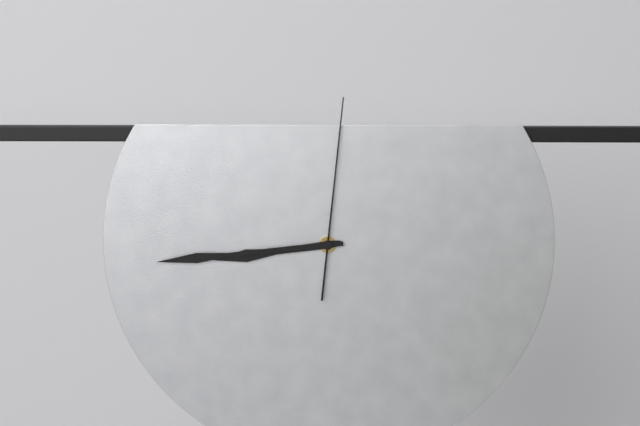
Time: **8:44:01**
